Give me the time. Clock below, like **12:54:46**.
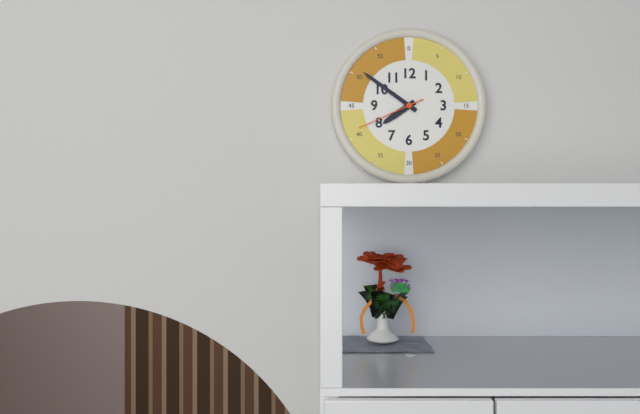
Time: **7:51:41**
